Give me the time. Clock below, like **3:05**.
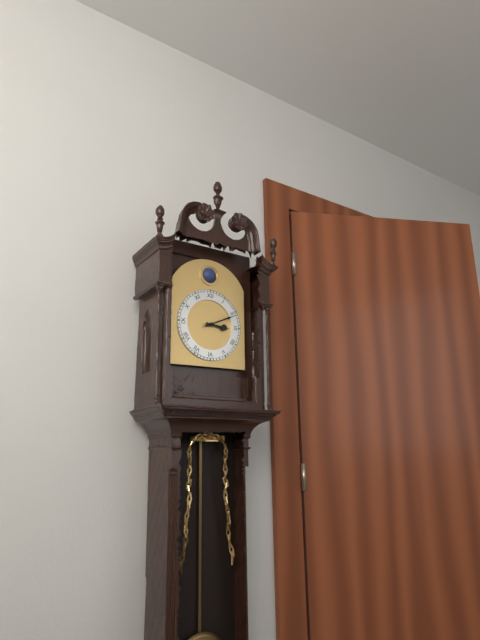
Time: **3:11**
